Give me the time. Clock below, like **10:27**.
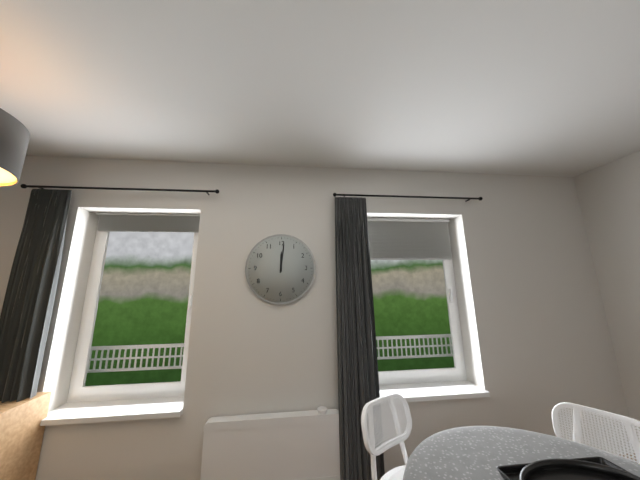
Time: **12:01**
